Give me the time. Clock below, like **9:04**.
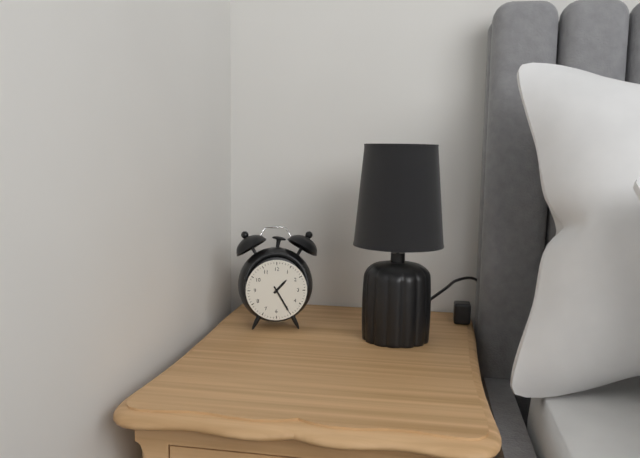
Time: **1:25**
